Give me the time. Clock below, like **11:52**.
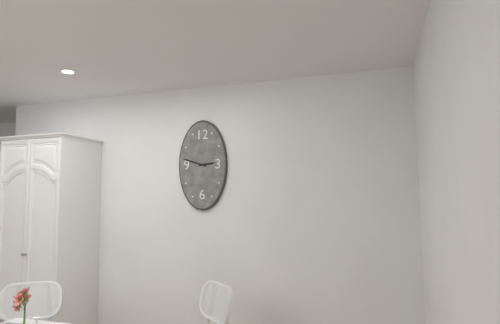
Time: **2:48**
